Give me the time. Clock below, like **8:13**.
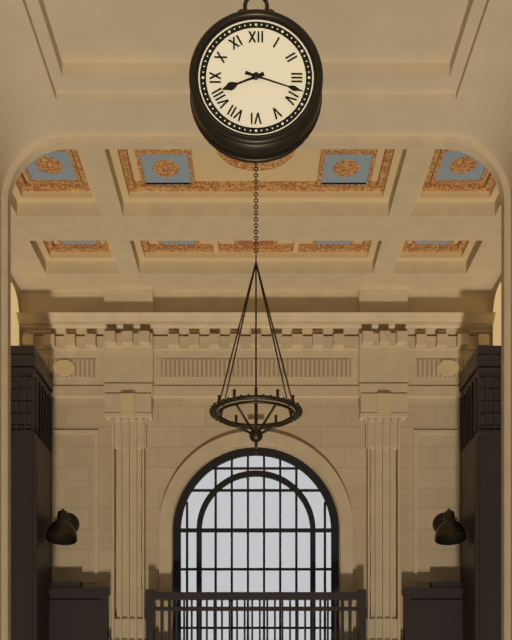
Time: **8:18**
